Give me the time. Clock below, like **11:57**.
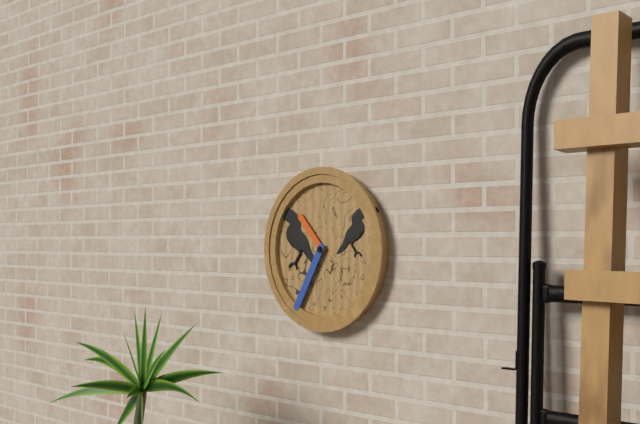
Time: **10:35**
